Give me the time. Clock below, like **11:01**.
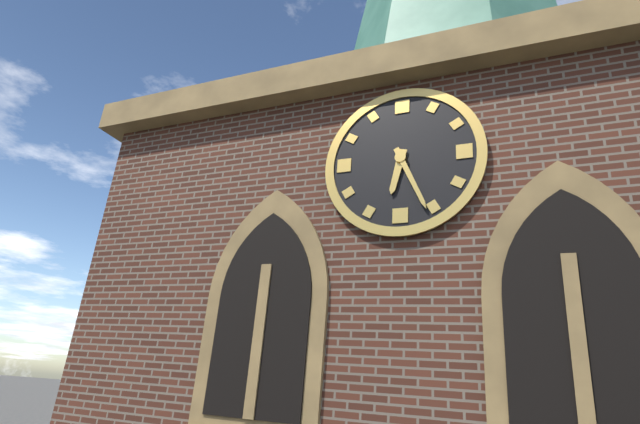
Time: **6:26**
